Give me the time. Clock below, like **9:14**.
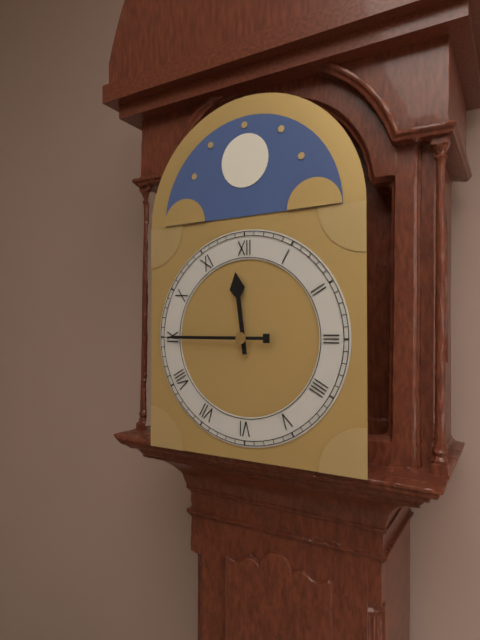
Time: **11:45**
